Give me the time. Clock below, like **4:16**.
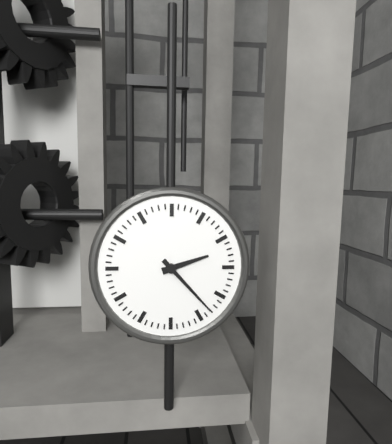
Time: **2:23**
